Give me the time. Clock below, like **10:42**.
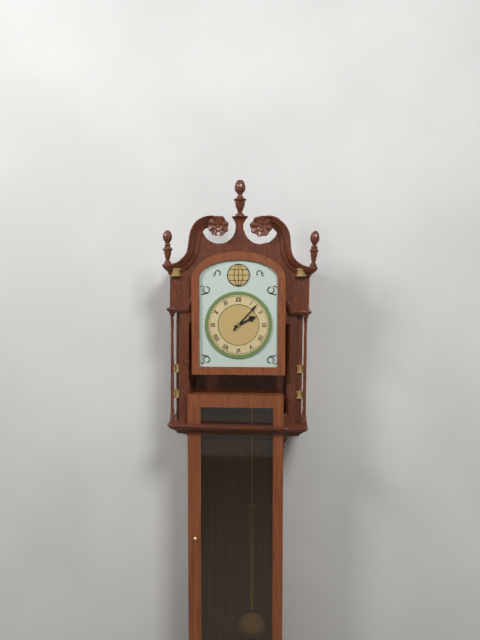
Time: **2:07**
